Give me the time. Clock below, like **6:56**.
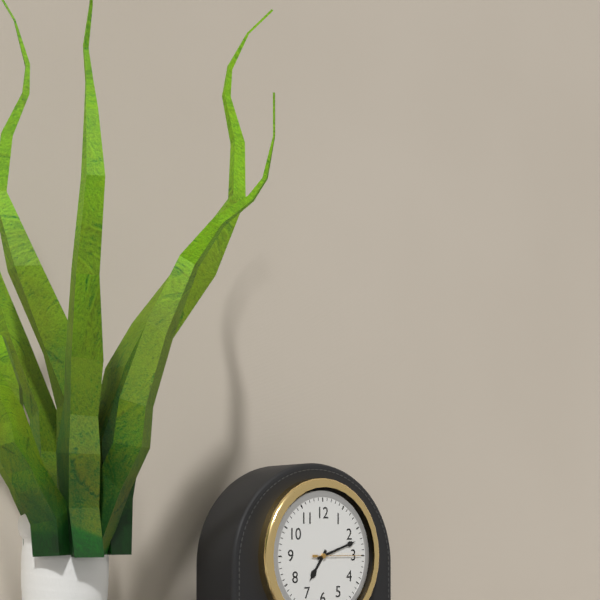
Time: **7:12**
